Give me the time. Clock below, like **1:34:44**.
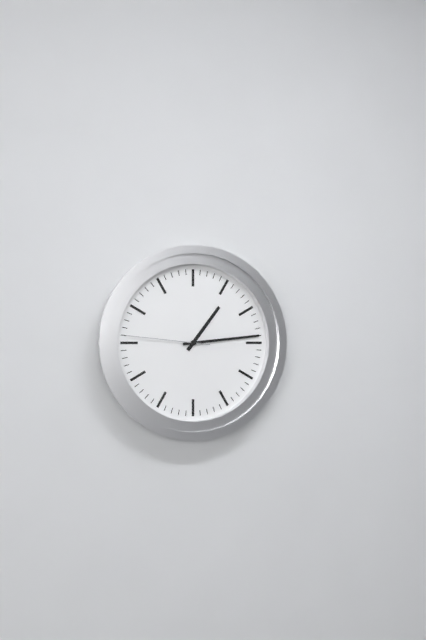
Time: **1:14:46**
